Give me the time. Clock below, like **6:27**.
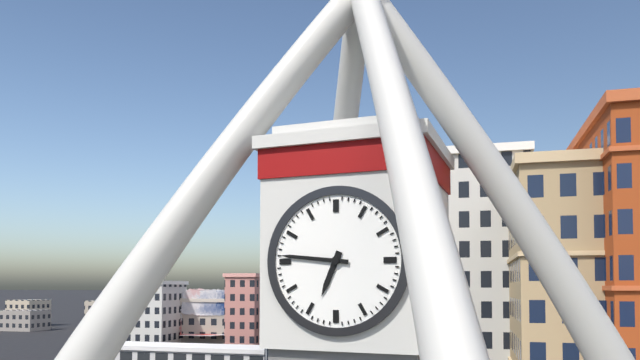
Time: **6:46**
